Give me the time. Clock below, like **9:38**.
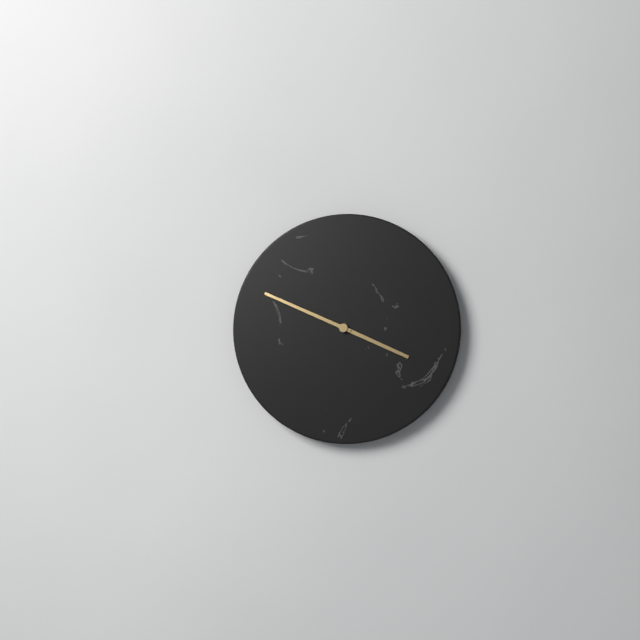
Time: **3:49**
